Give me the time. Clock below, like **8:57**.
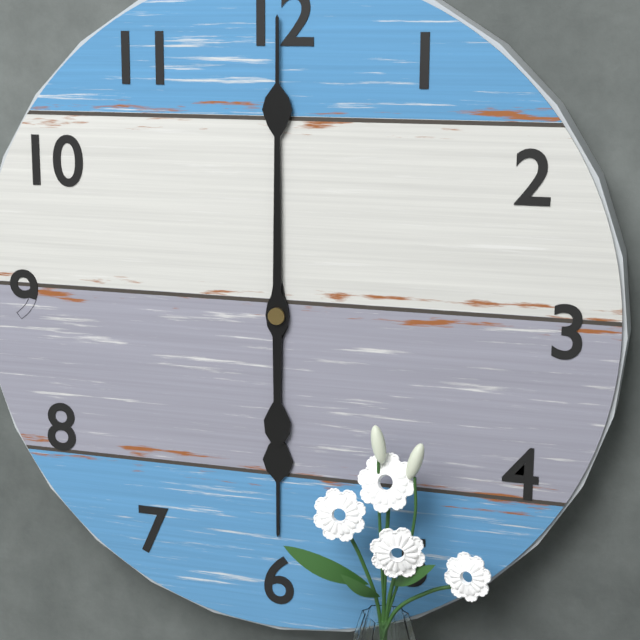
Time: **6:00**
